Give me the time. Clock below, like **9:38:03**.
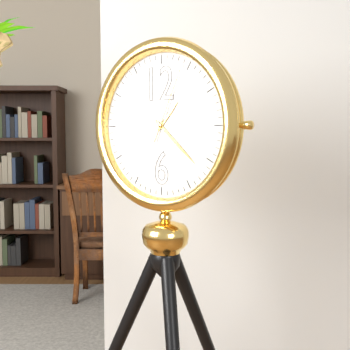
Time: **1:22:04**
